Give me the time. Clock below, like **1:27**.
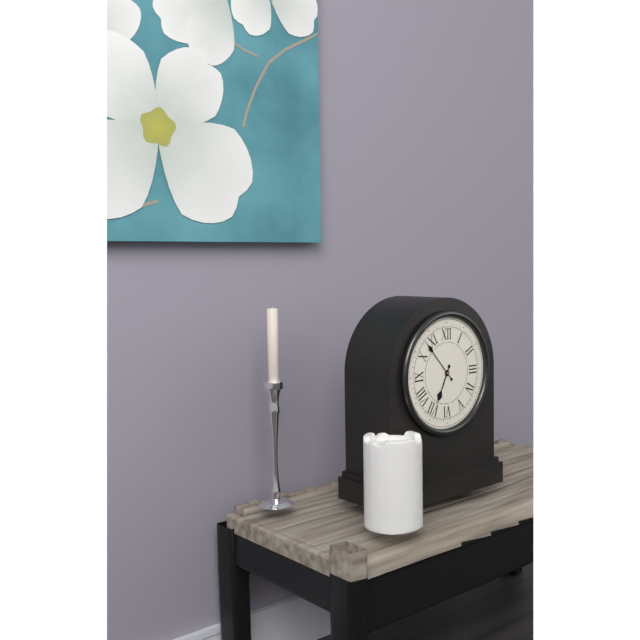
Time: **6:53**
